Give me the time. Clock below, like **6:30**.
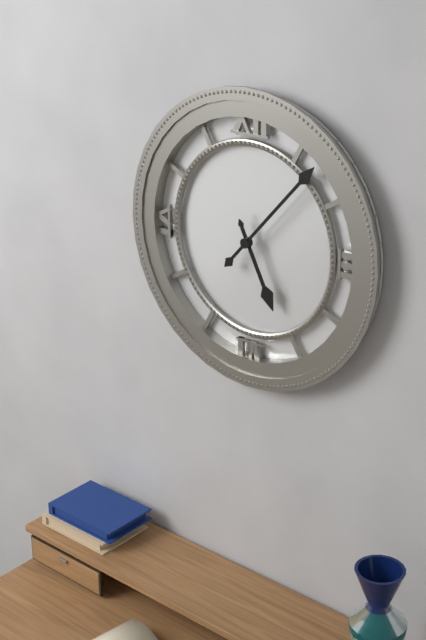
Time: **5:07**
